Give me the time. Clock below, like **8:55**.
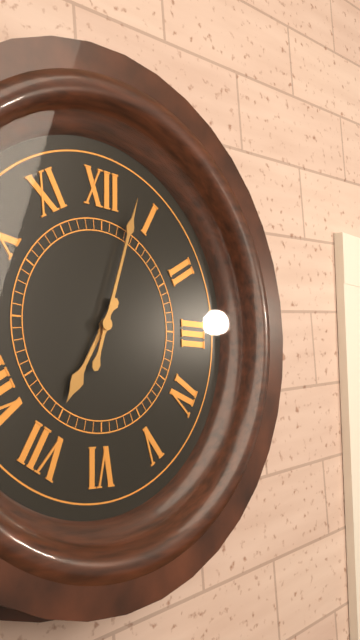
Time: **7:03**
